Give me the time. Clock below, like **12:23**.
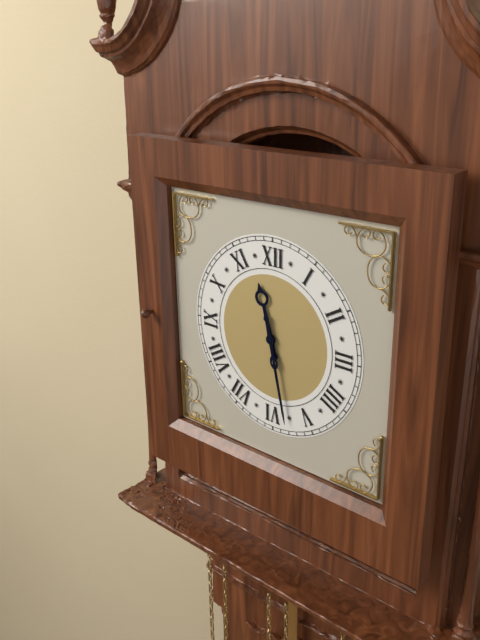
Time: **11:28**
